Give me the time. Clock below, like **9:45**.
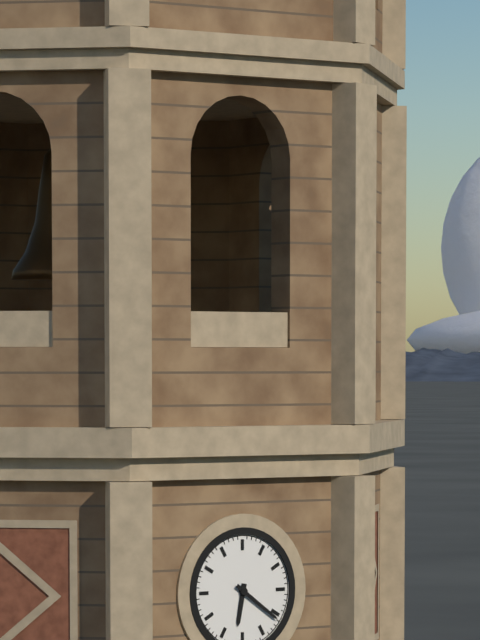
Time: **6:21**
